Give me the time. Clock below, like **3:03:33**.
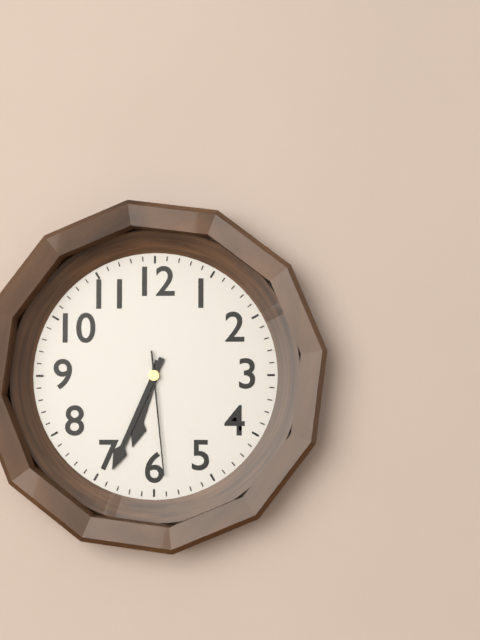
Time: **6:34:29**
